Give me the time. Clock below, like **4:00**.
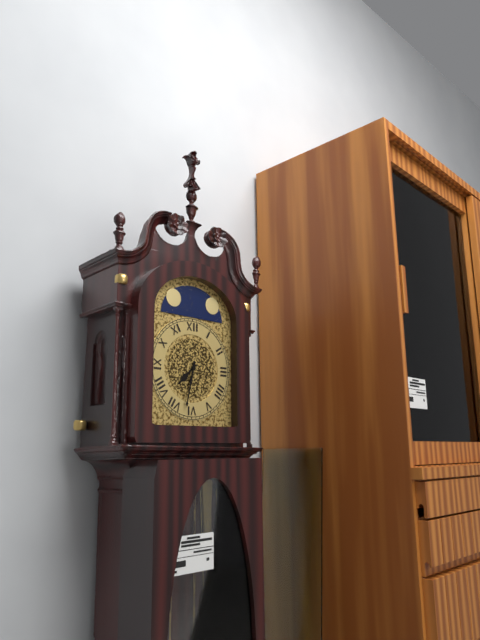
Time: **7:32**
